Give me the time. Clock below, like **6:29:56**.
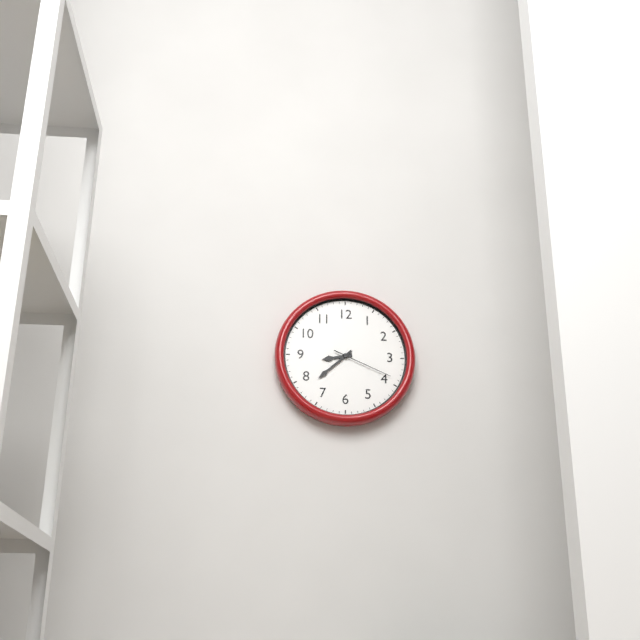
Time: **8:38:19**
